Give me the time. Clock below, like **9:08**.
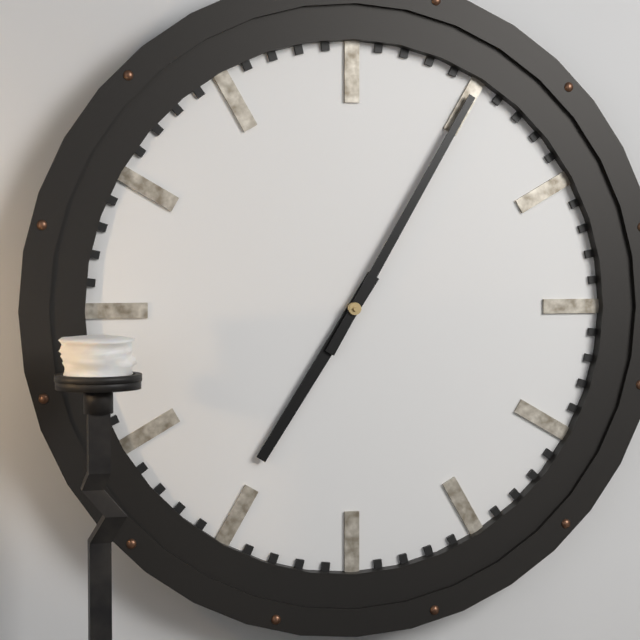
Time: **7:05**
